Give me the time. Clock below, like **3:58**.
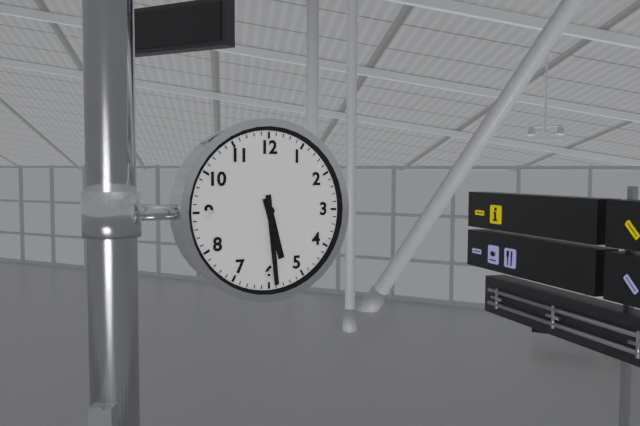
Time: **5:29**
